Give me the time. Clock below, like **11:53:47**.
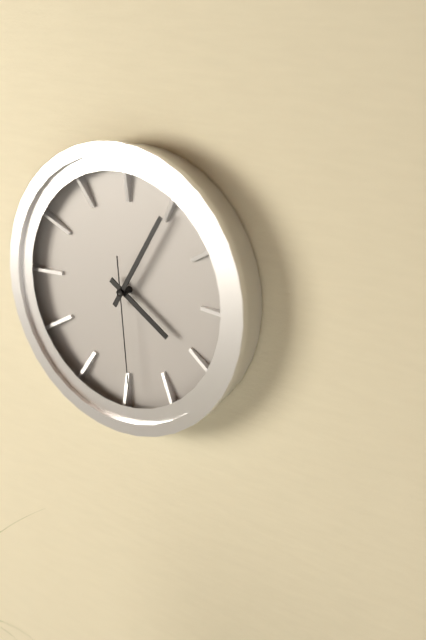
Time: **4:05:29**
